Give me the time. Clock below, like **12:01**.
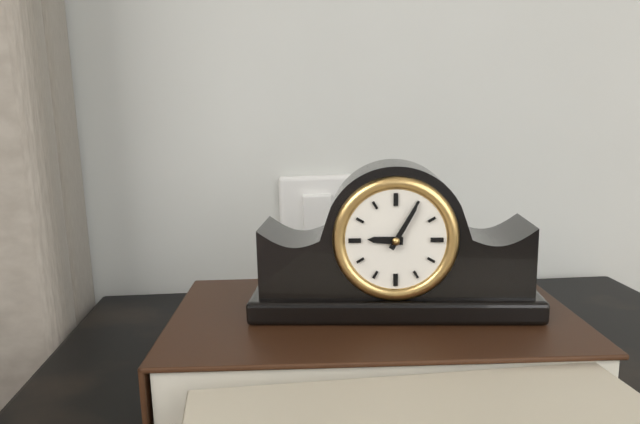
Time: **9:05**
